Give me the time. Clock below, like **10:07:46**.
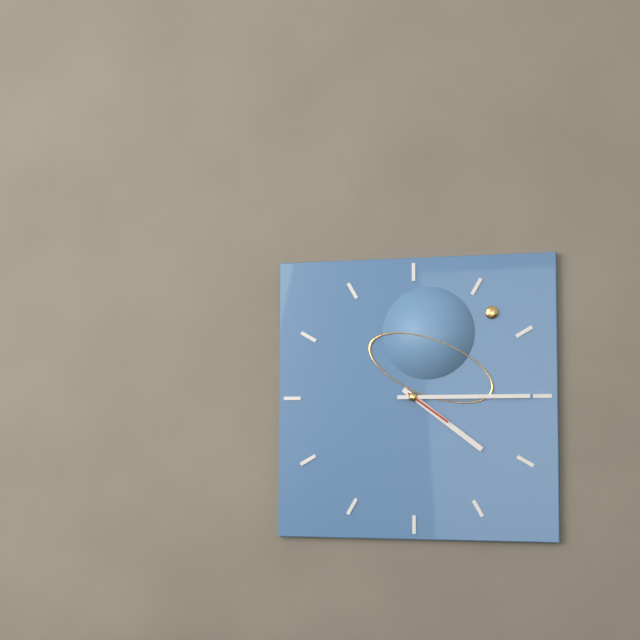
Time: **4:15:21**
